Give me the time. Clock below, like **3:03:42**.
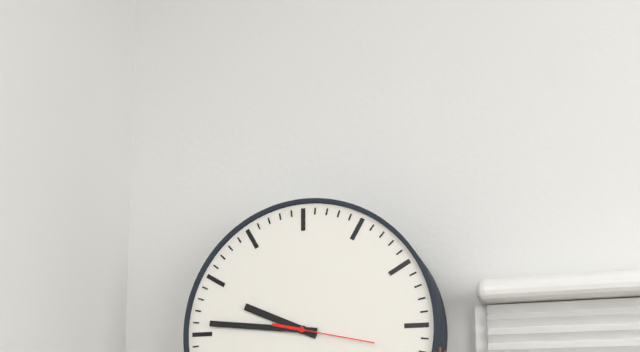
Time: **9:46:17**
